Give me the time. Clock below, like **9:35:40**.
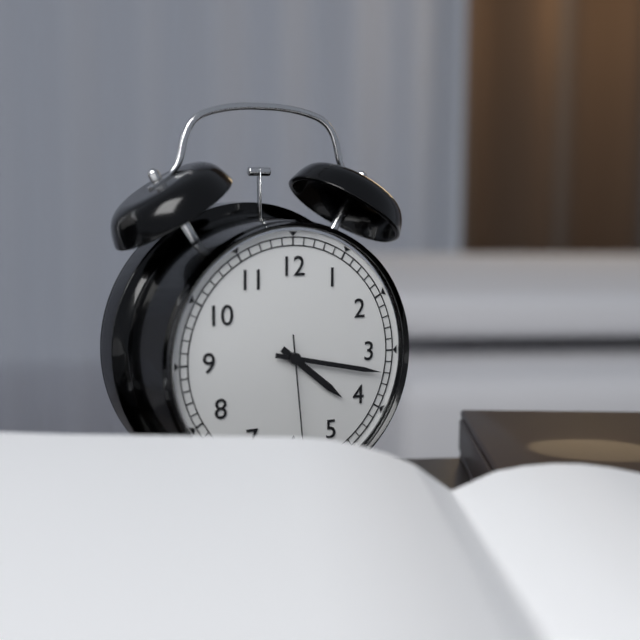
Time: **4:17:29**
